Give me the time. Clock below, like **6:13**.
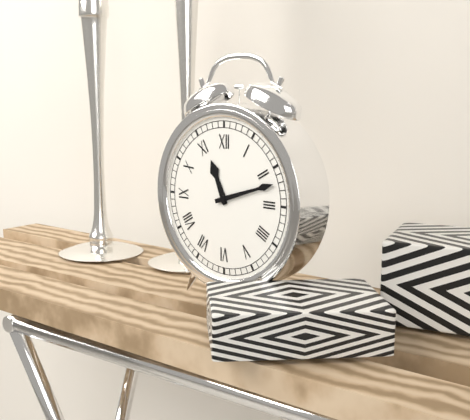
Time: **11:12**
